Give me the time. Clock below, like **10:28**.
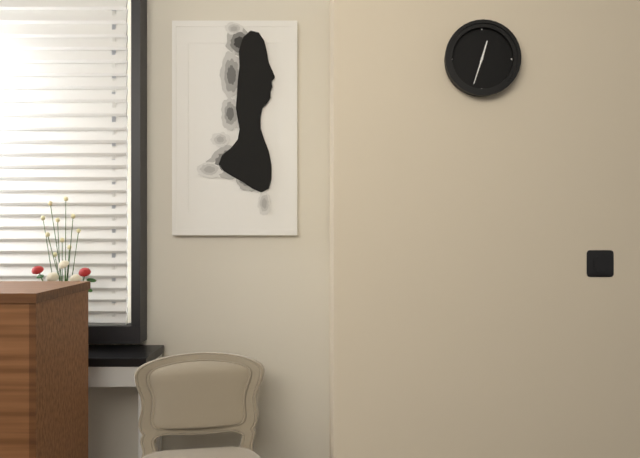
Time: **12:33**
